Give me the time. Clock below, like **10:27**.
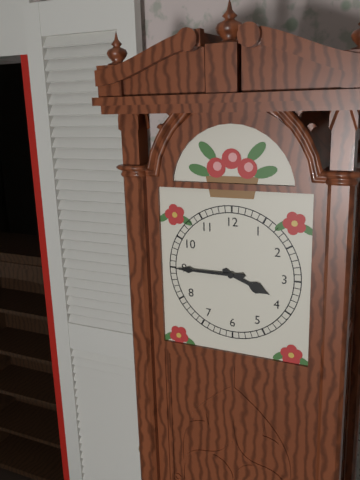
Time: **3:45**
